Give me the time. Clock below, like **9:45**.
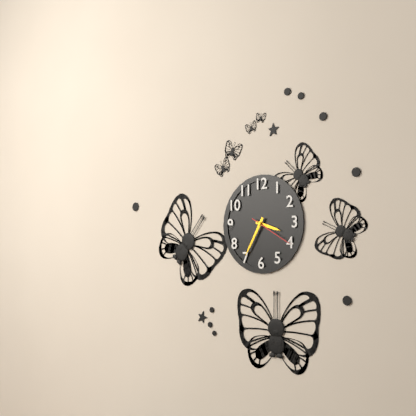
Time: **3:35**
